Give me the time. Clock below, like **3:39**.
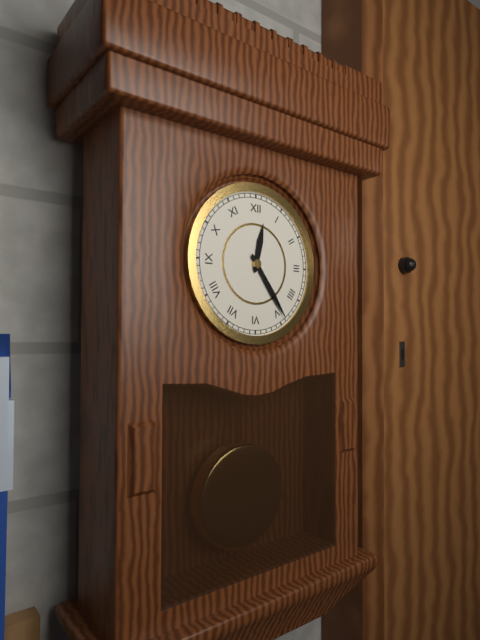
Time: **12:24**
